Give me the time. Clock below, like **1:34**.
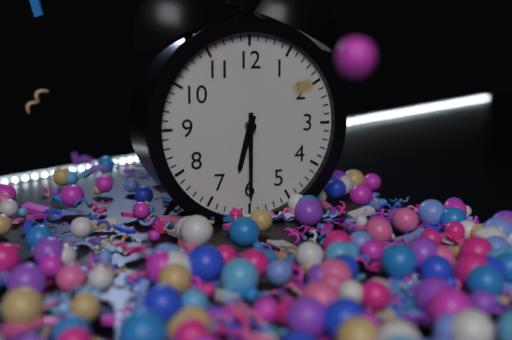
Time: **6:30**
